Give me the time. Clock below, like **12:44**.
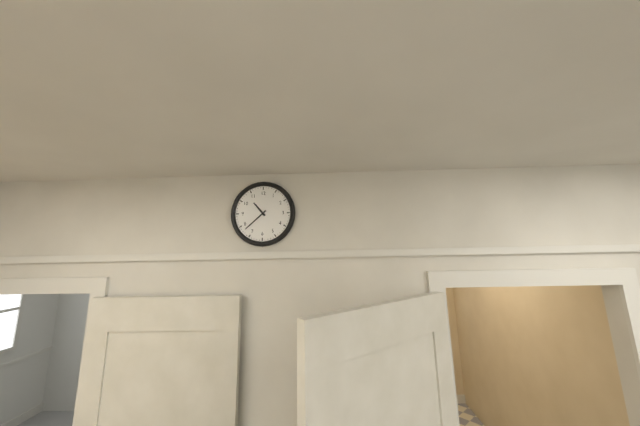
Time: **10:38**
